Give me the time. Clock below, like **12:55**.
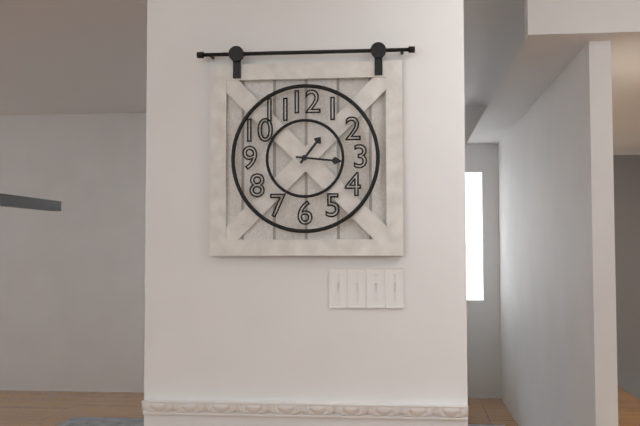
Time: **1:16**
